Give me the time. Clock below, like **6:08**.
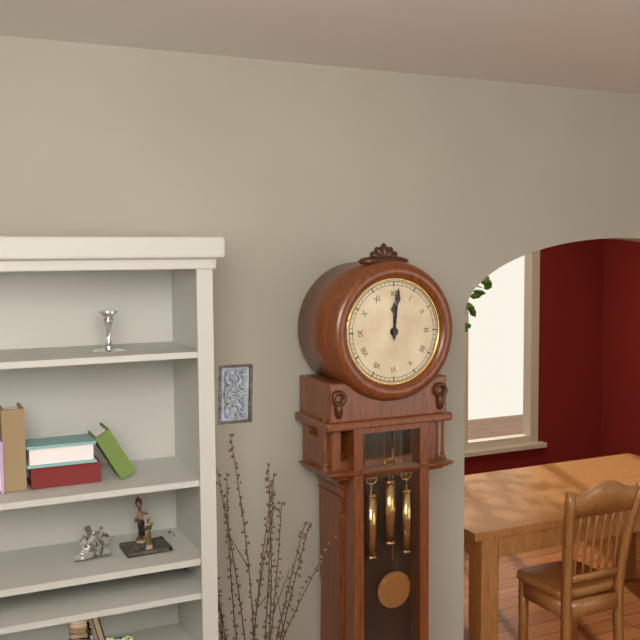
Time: **12:01**
